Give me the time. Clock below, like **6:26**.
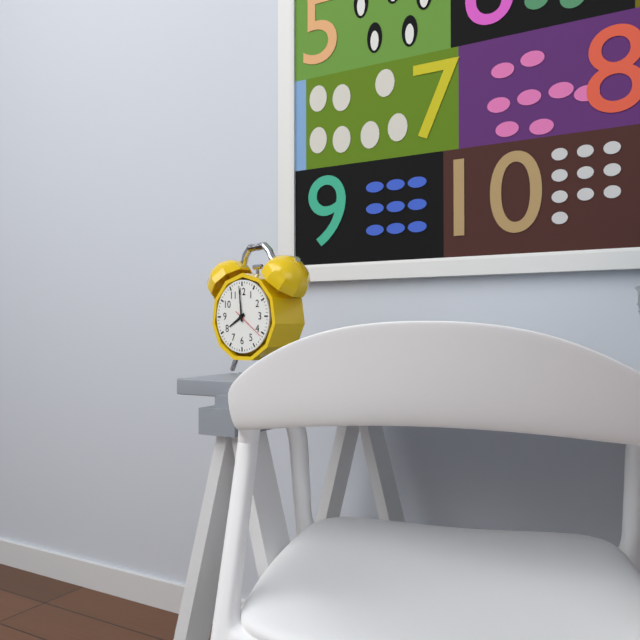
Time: **7:59**
